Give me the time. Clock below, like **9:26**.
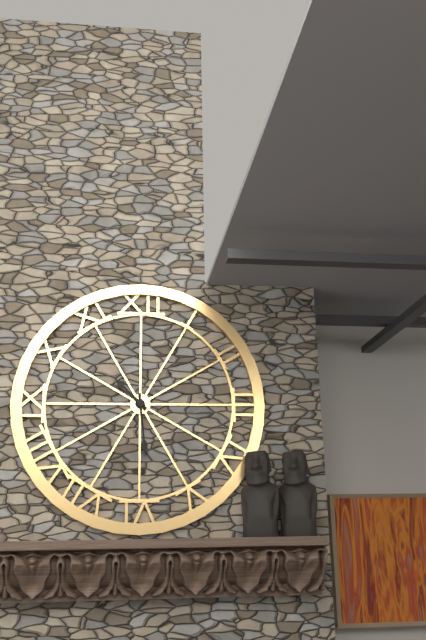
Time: **10:29**
